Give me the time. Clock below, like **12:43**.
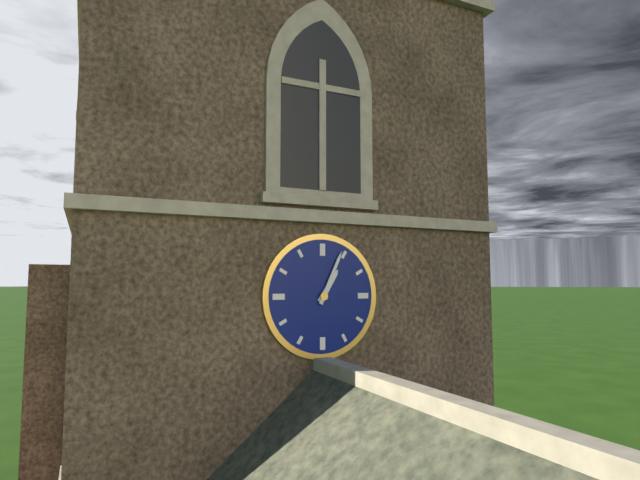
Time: **1:04**
